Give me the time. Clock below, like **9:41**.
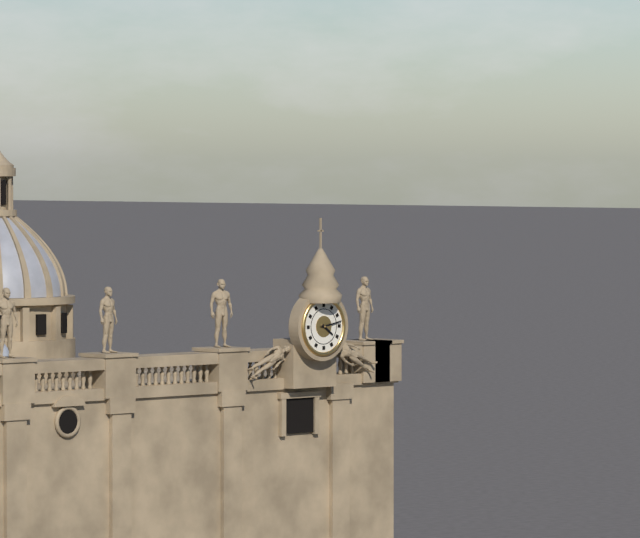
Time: **4:13**
